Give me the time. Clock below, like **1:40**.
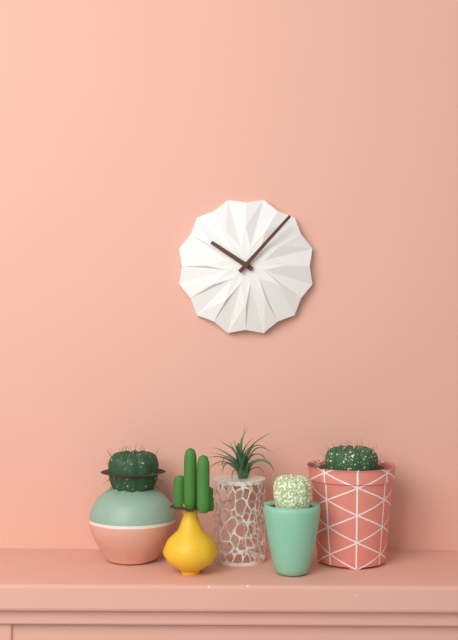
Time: **10:07**
